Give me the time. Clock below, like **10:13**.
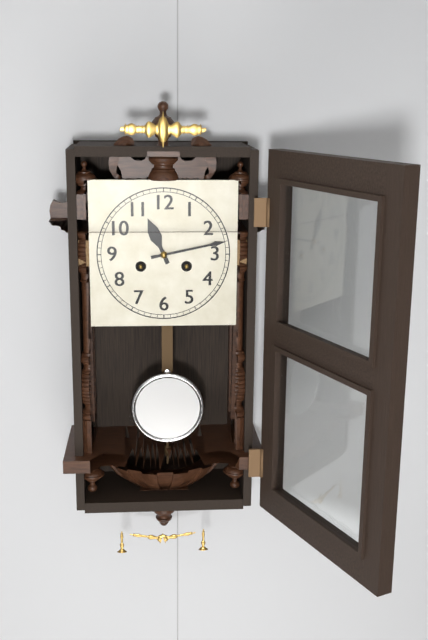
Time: **11:13**
